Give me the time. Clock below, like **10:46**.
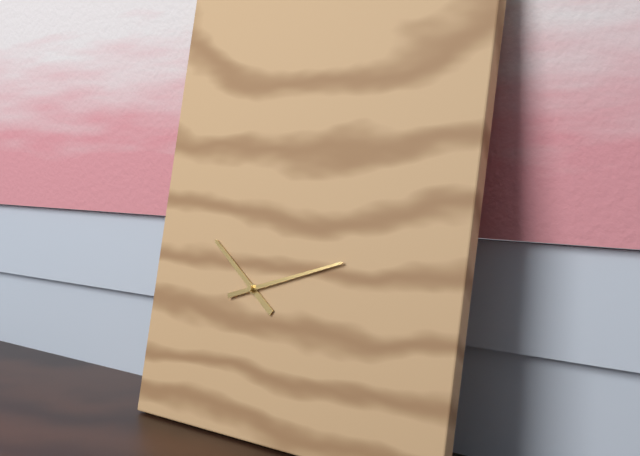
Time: **10:12**
